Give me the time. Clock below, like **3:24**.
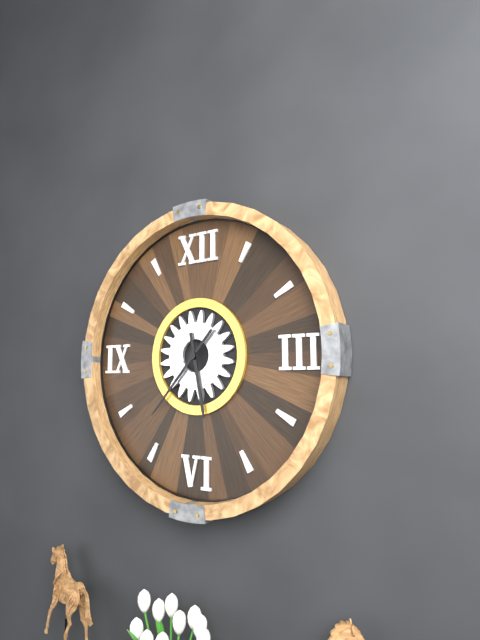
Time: **5:37**
